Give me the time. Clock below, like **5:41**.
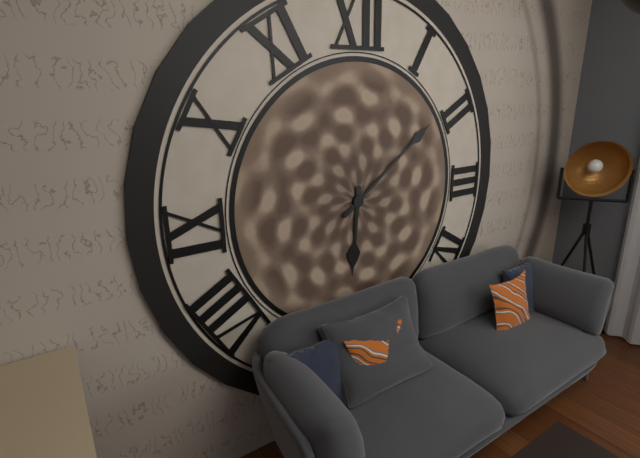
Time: **6:09**
